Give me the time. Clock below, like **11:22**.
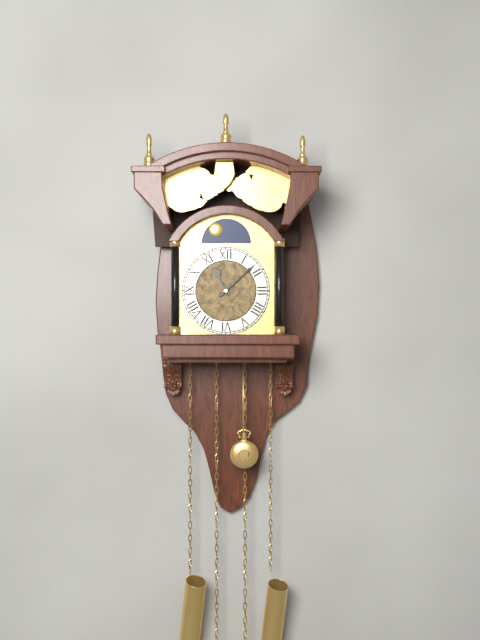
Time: **11:08**
